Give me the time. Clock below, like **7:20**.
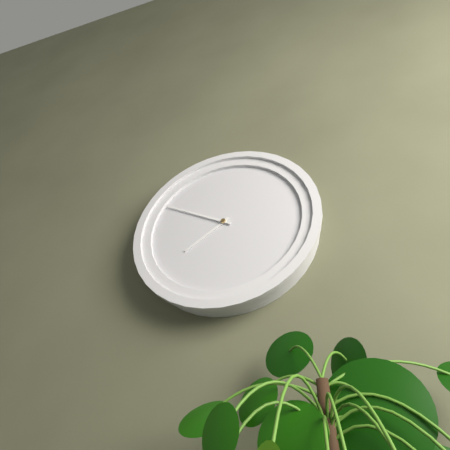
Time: **7:50**
